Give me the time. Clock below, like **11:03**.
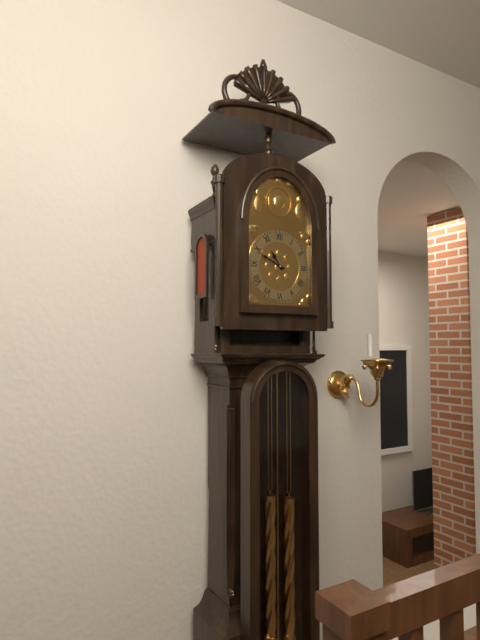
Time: **10:49**
